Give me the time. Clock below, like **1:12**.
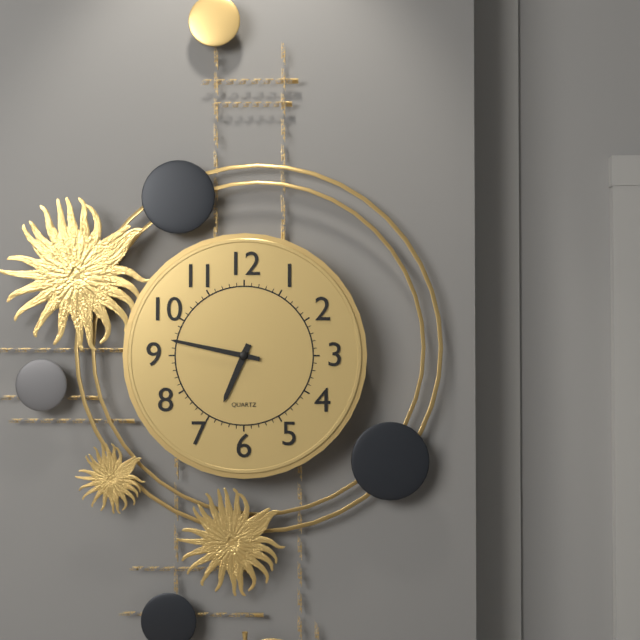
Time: **6:47**
